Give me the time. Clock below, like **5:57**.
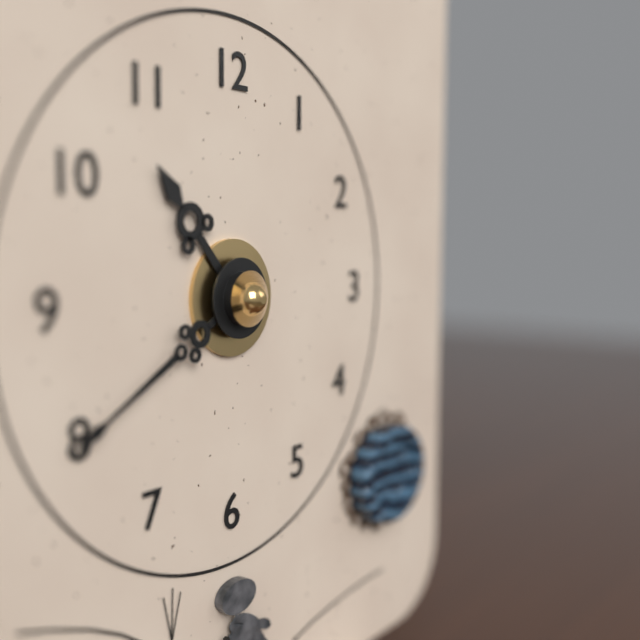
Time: **10:40**
